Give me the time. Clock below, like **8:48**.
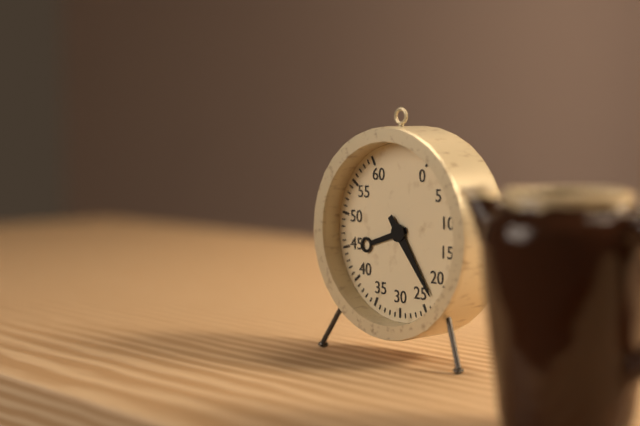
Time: **8:24**
